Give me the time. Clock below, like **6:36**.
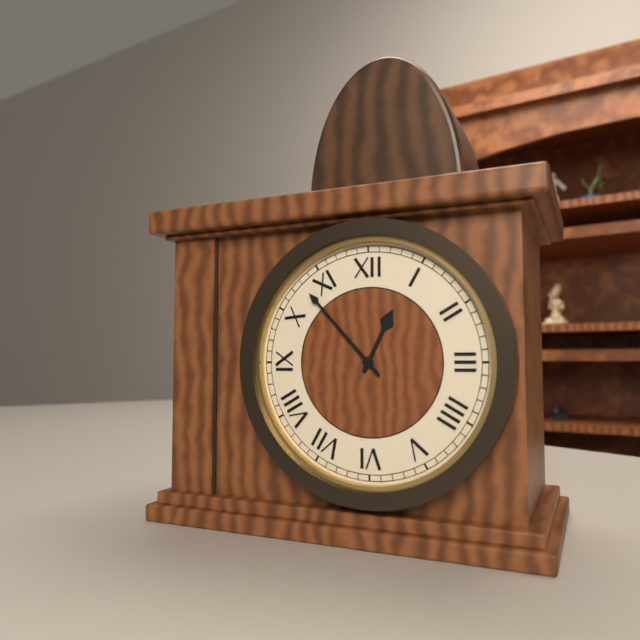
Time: **12:53**
